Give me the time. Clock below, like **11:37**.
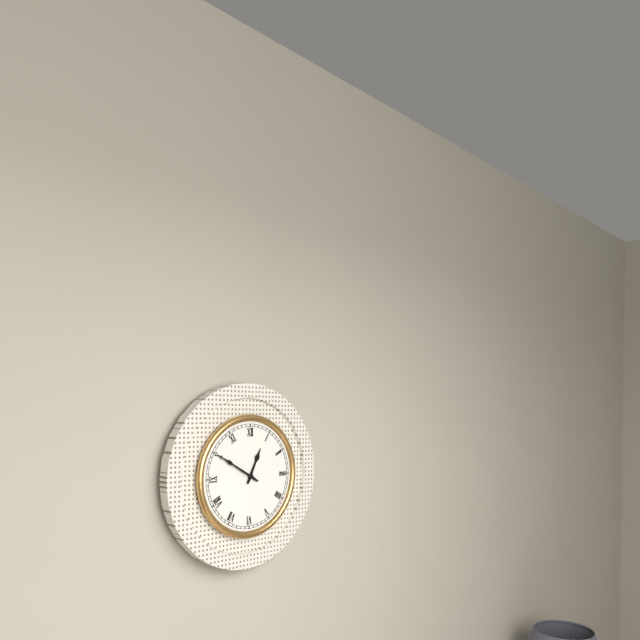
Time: **12:50**
